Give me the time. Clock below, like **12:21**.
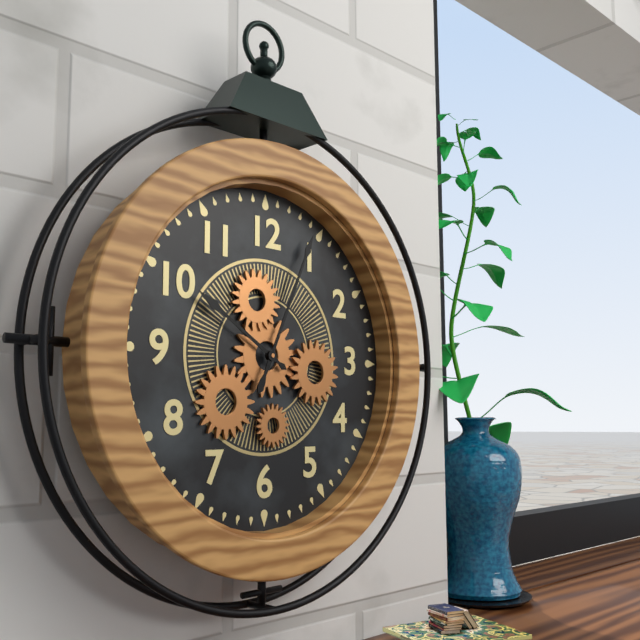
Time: **10:04**
